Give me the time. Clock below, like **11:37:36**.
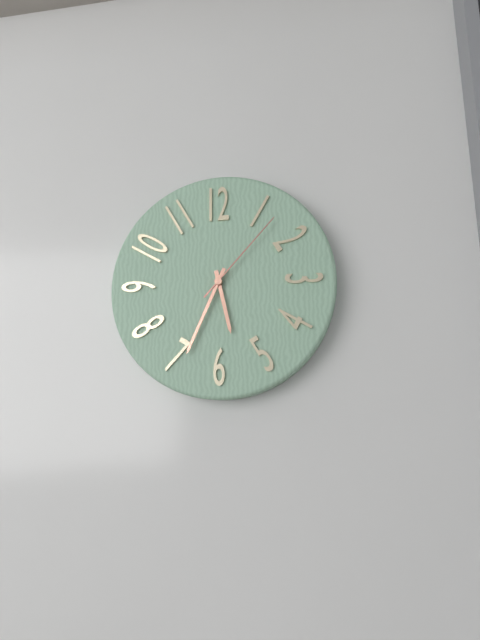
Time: **5:34:07**
